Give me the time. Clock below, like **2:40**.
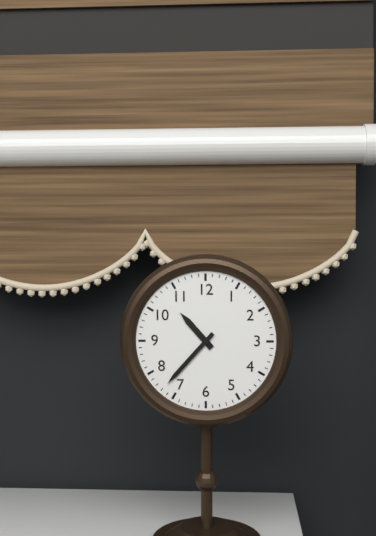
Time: **10:37**
